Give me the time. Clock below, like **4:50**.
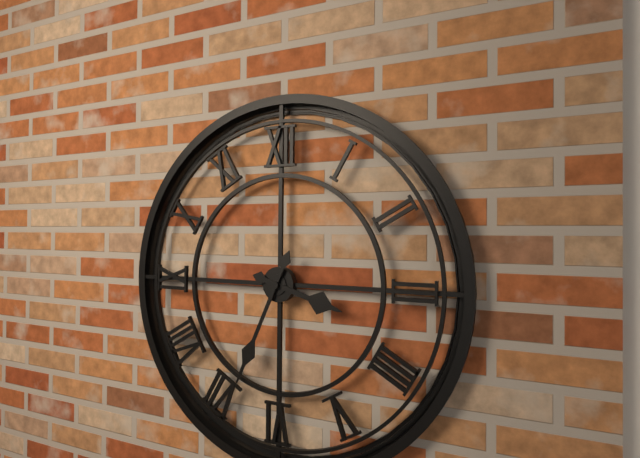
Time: **3:34**
